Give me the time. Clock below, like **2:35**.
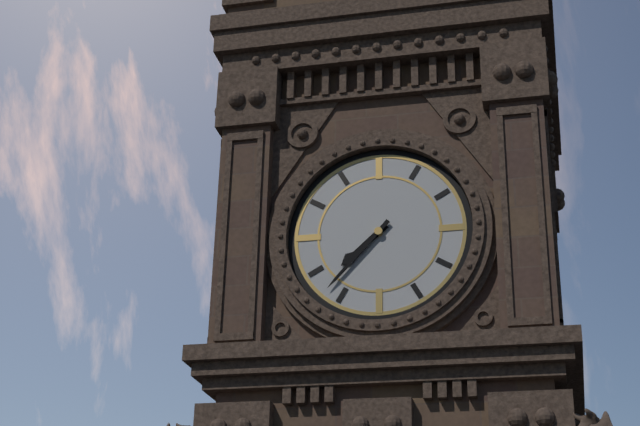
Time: **7:37**
